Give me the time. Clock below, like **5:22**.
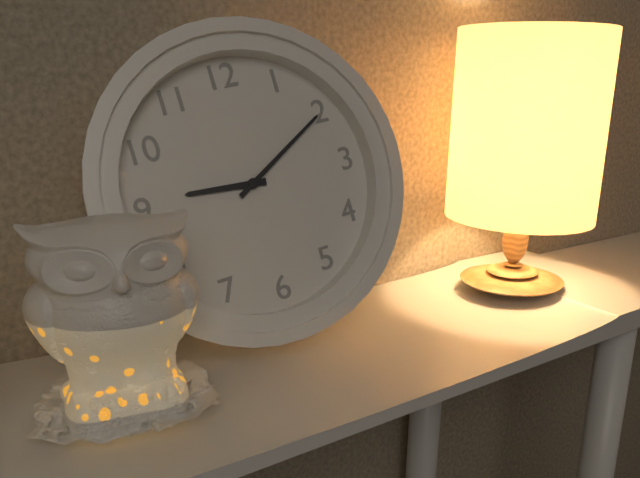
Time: **9:10**
